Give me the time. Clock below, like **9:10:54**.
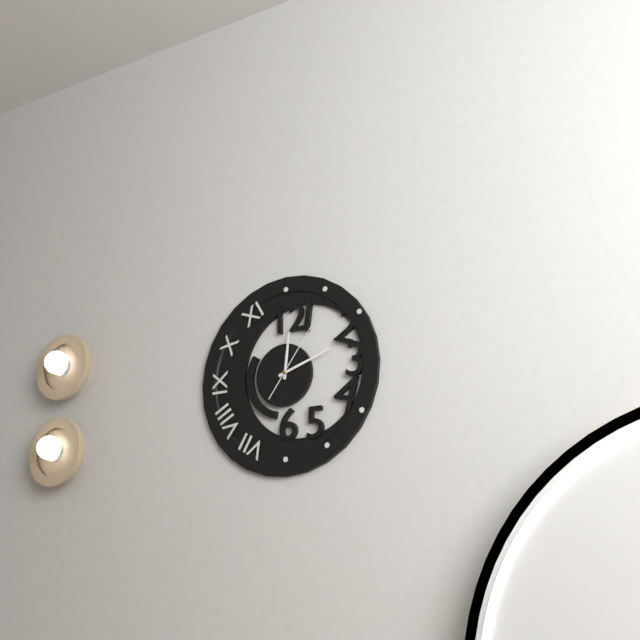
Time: **12:12:06**
